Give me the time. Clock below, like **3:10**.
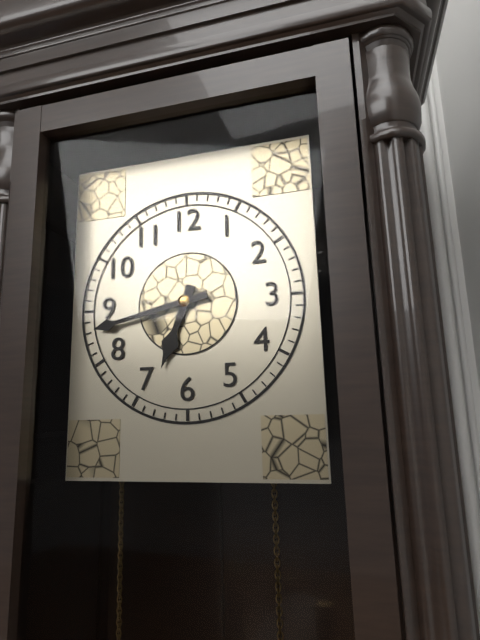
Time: **6:43**
